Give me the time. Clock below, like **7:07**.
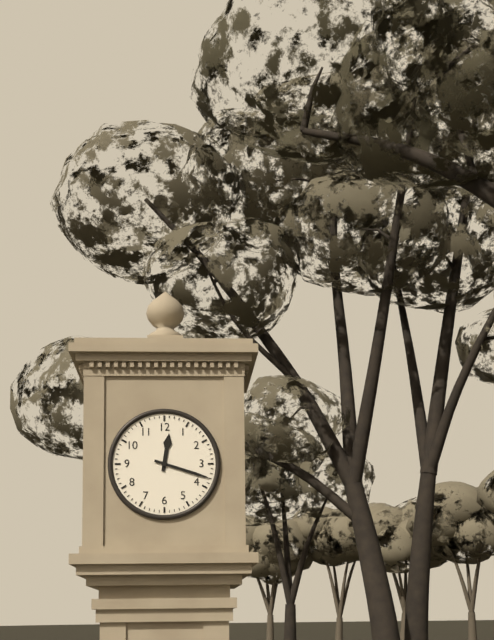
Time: **12:18**
